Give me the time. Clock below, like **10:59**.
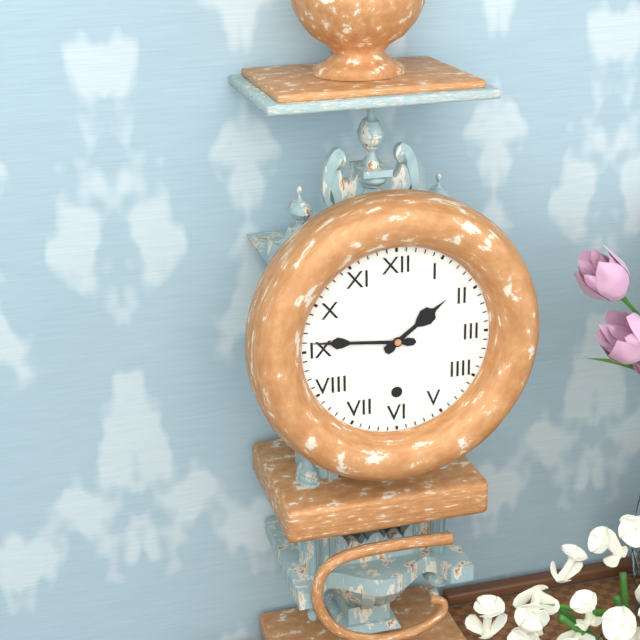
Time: **1:46**
